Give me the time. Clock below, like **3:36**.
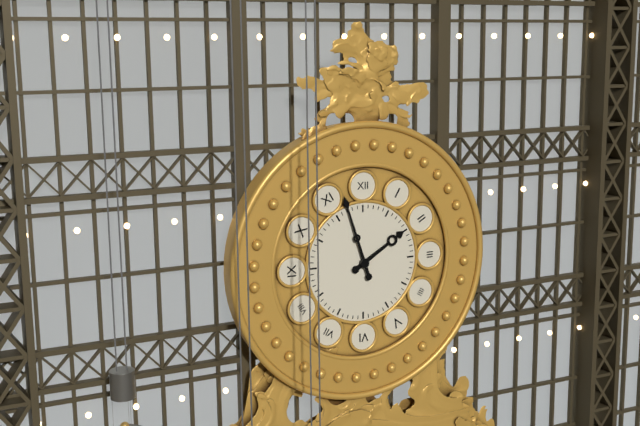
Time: **1:57**
